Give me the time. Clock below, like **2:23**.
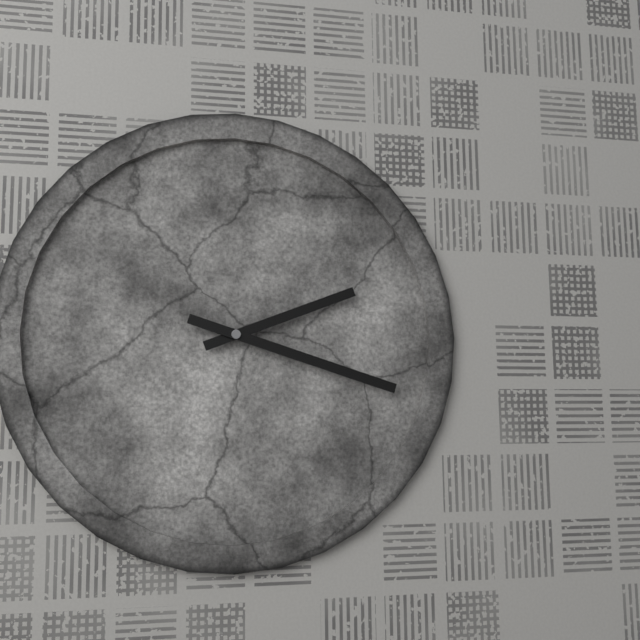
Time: **2:18**
